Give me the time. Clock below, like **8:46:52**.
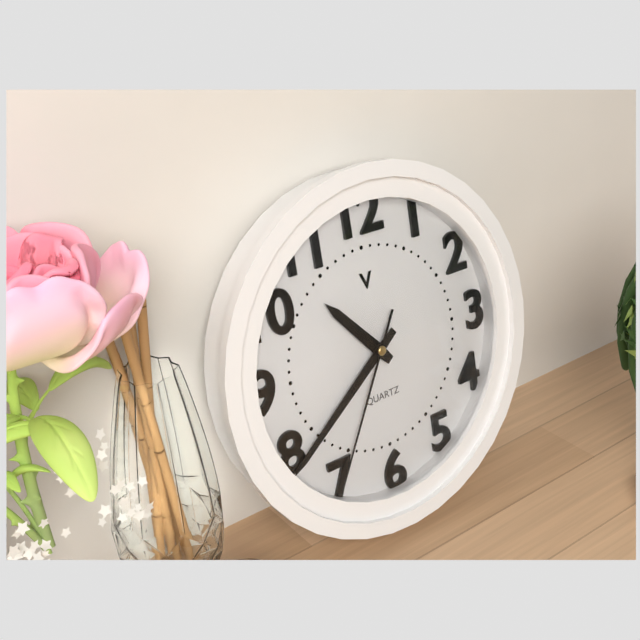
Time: **10:39:35**
